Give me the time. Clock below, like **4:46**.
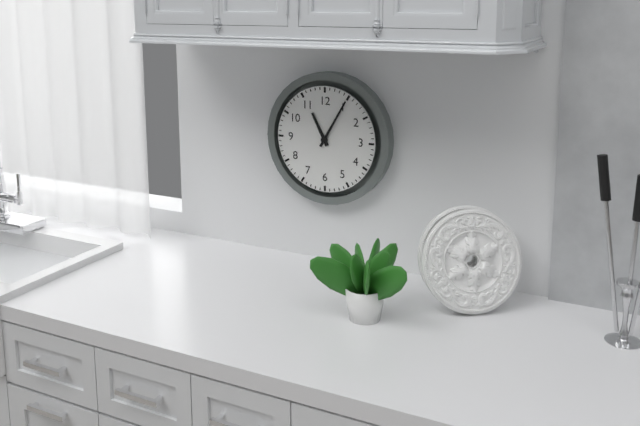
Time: **11:05**
